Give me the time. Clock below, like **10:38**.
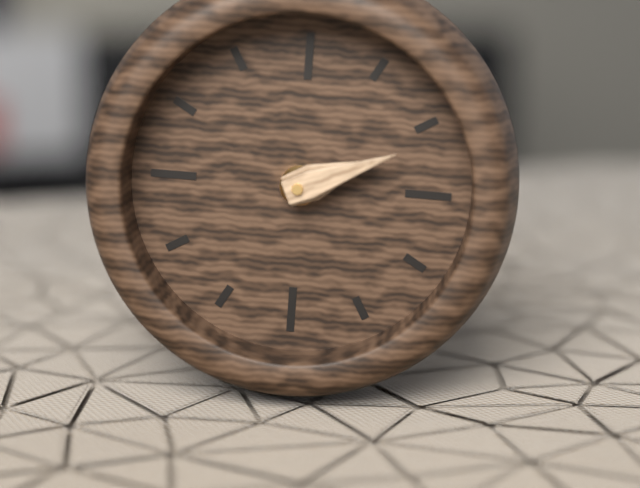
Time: **2:11**
